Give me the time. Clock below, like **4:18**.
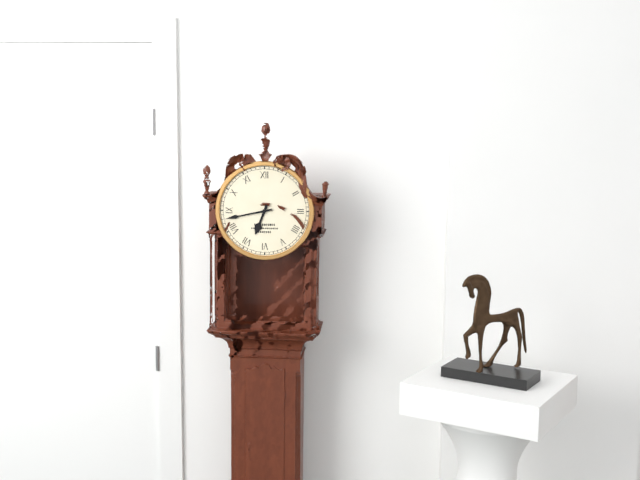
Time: **6:43**
